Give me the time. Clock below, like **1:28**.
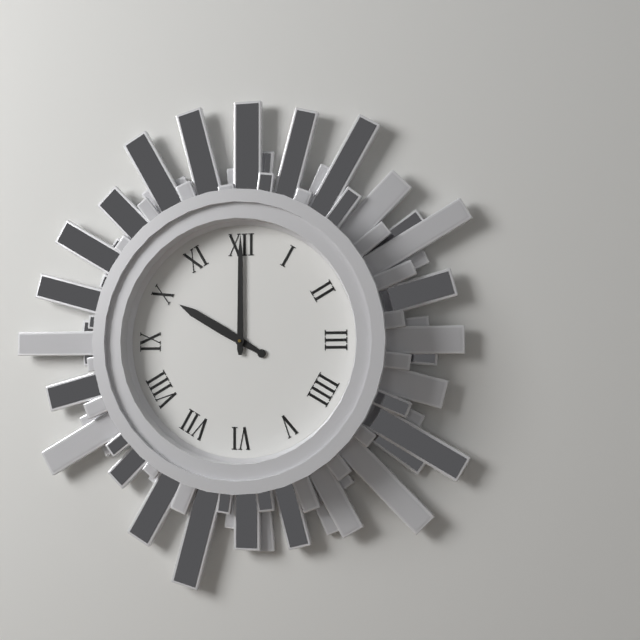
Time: **10:00**
